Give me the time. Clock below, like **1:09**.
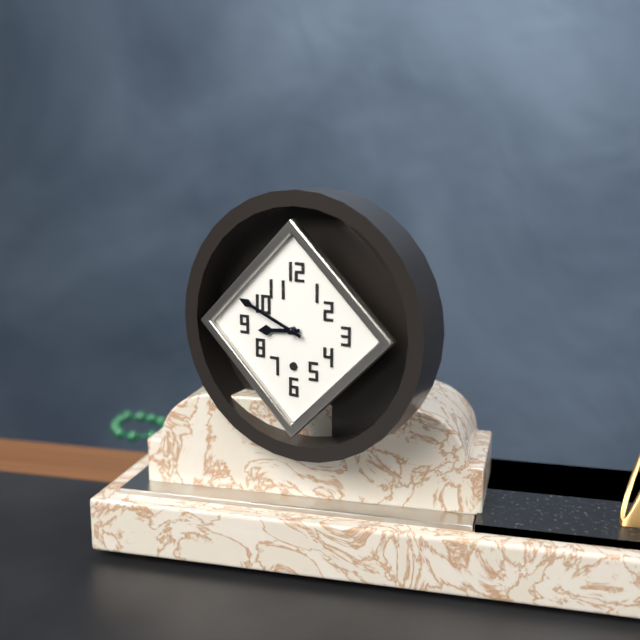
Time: **8:49**
